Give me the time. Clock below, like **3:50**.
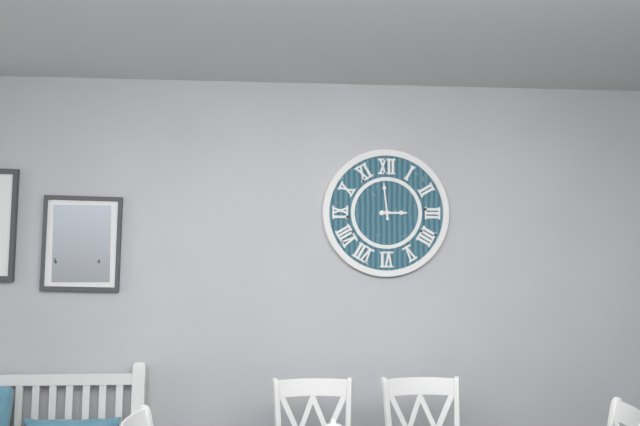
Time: **2:59**
